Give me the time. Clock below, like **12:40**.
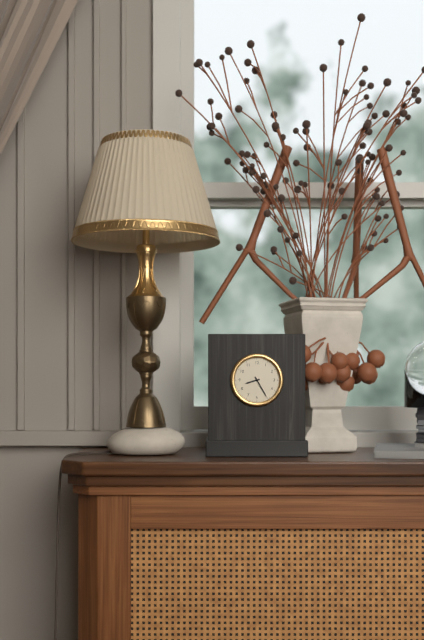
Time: **8:25**
